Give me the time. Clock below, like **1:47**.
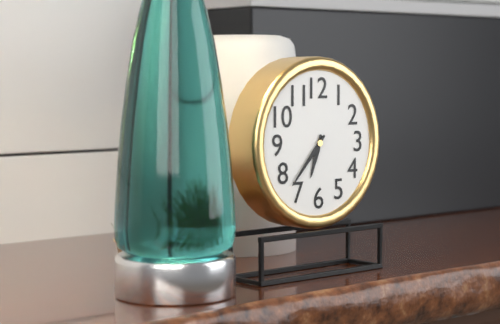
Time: **6:37**
